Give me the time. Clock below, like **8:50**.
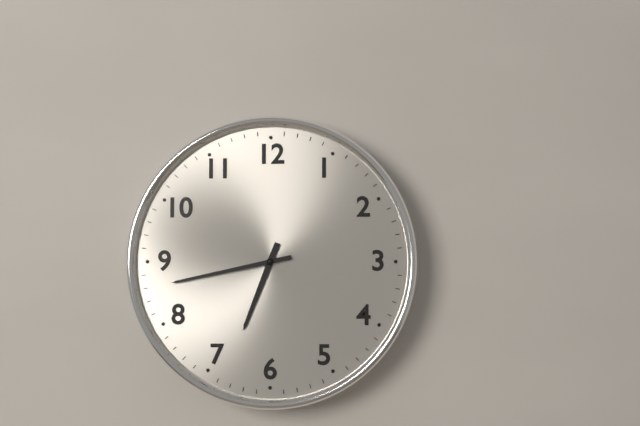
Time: **6:43**
